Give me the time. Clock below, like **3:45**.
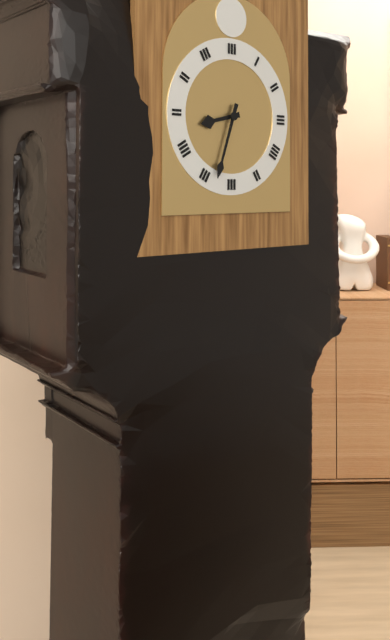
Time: **8:33**
